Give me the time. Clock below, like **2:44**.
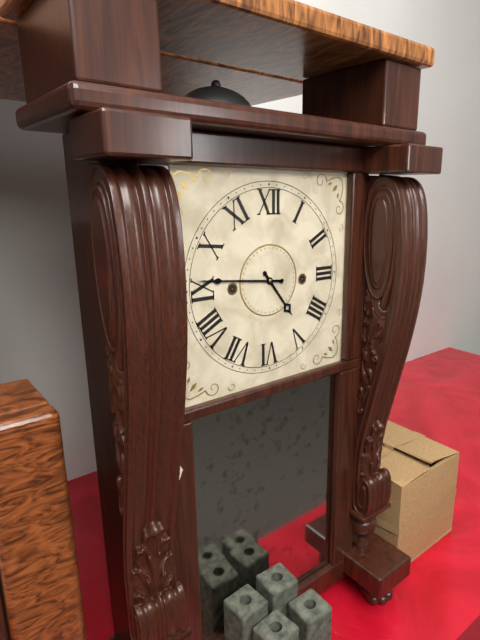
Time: **4:46**
